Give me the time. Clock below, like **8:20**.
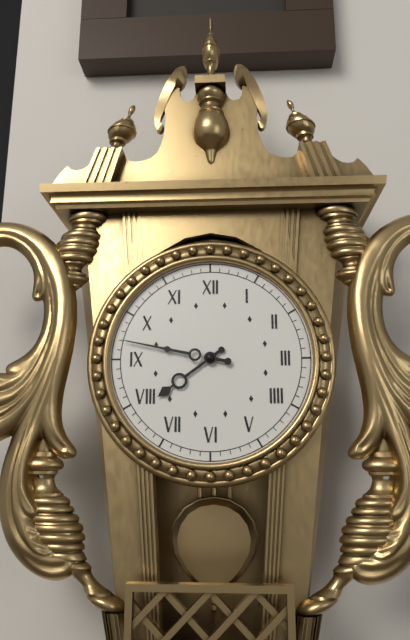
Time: **7:47**
